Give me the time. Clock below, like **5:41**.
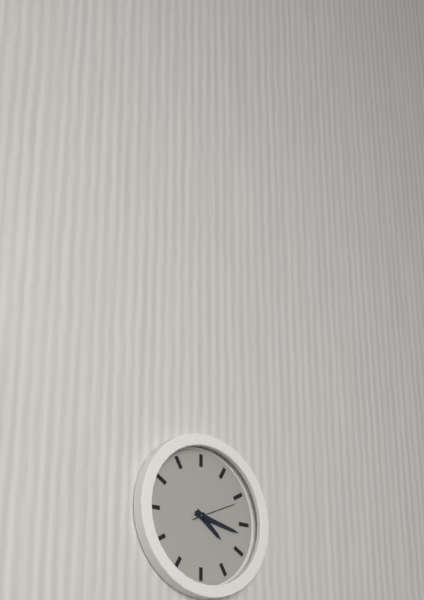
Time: **4:17**
